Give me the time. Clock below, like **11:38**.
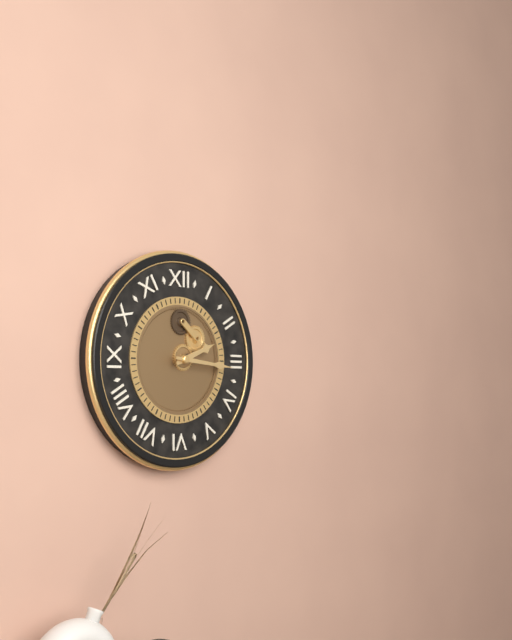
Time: **2:16**
